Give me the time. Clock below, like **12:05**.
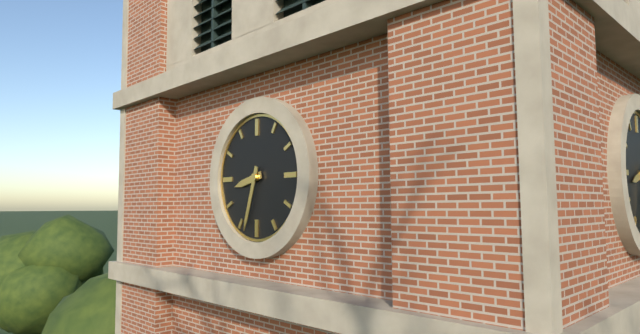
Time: **8:33**
